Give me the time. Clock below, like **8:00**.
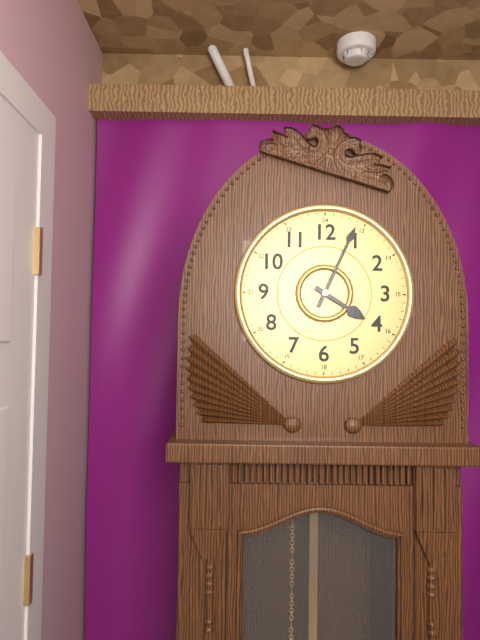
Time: **4:04**
